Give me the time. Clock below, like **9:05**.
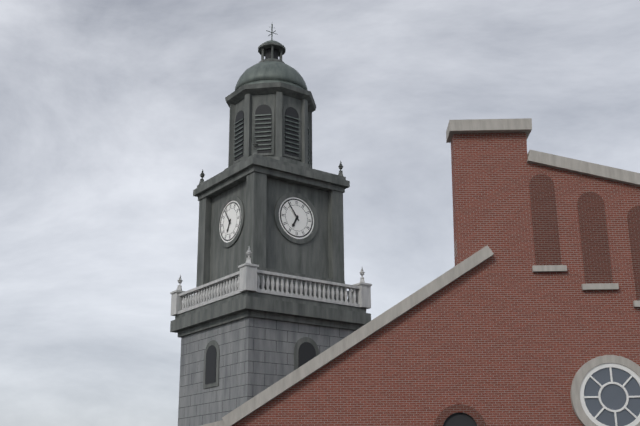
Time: **6:54**
